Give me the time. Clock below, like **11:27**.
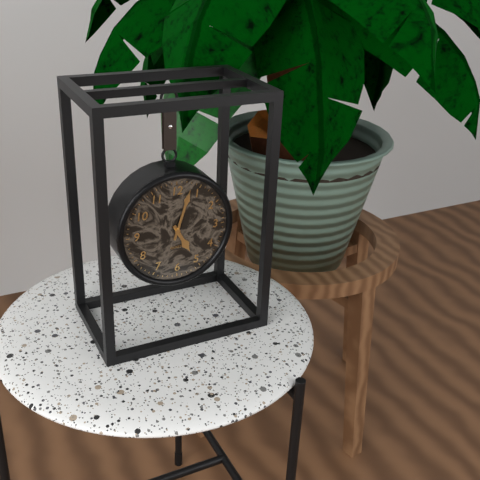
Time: **5:03**
